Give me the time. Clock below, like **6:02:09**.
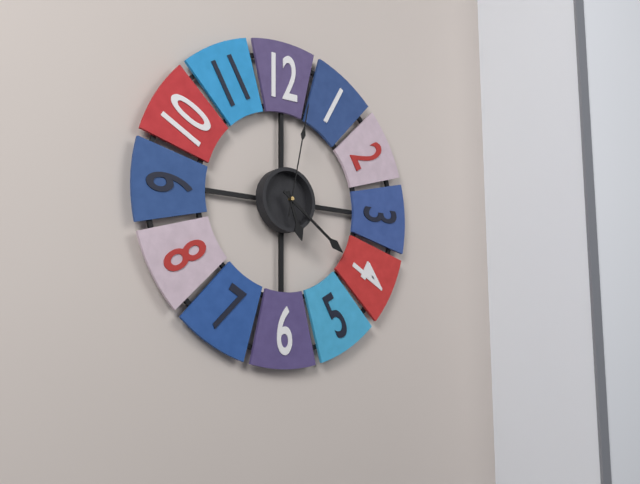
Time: **5:21:02**
